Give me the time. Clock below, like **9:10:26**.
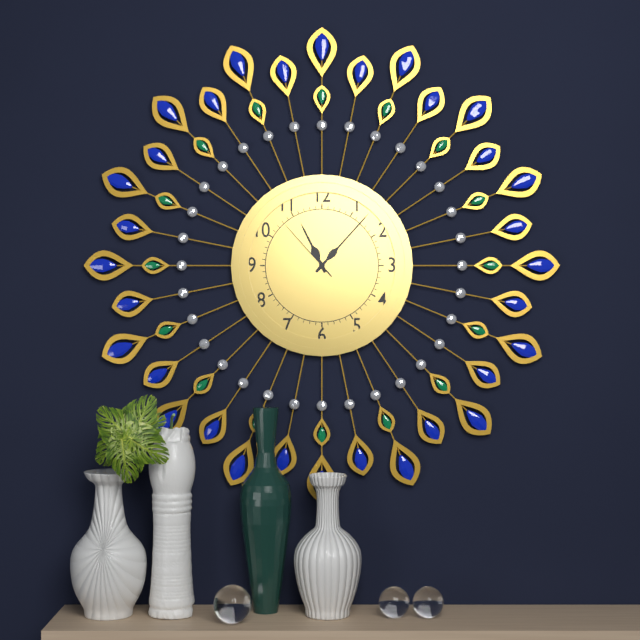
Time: **11:07:53**
